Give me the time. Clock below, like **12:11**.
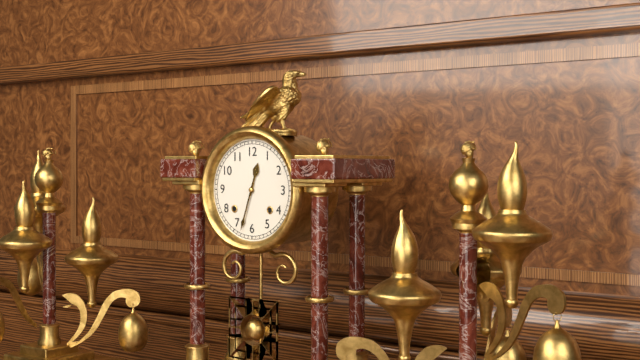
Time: **12:33**
